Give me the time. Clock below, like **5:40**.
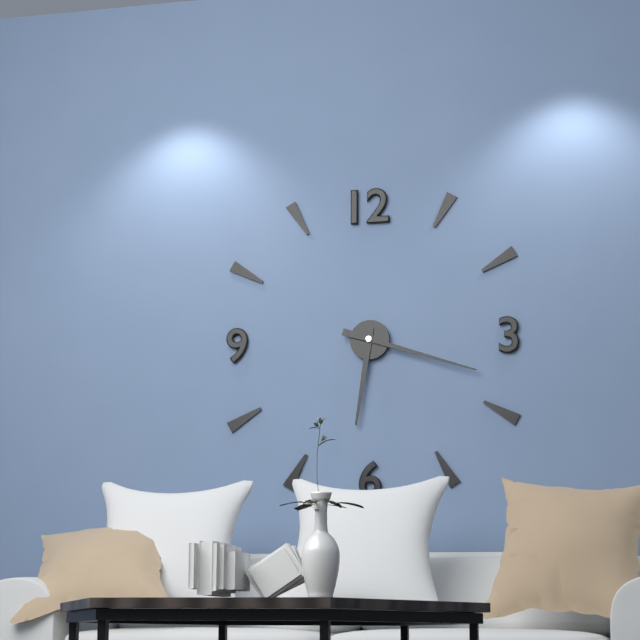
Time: **6:18**
